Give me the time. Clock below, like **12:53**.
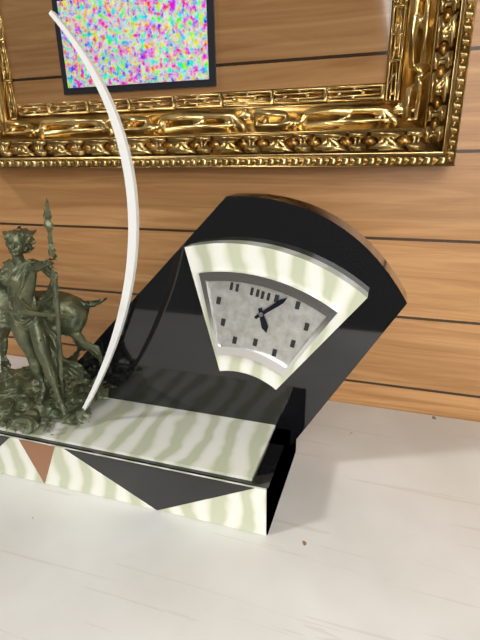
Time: **5:07**
